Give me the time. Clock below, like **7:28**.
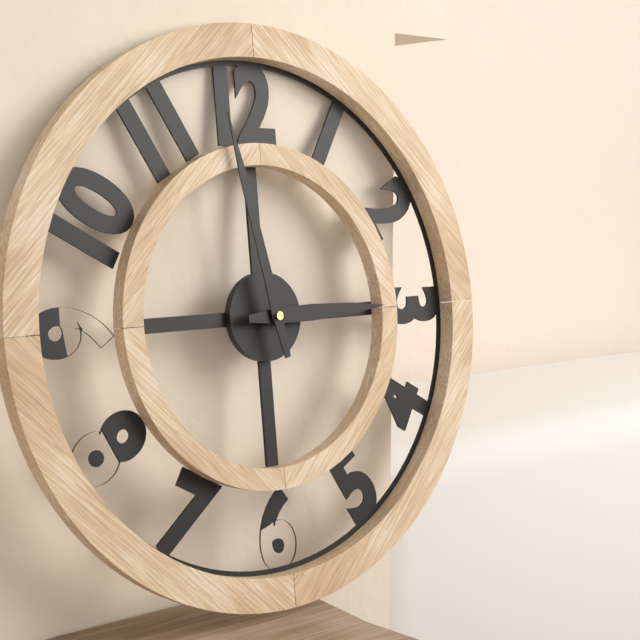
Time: **2:58**
